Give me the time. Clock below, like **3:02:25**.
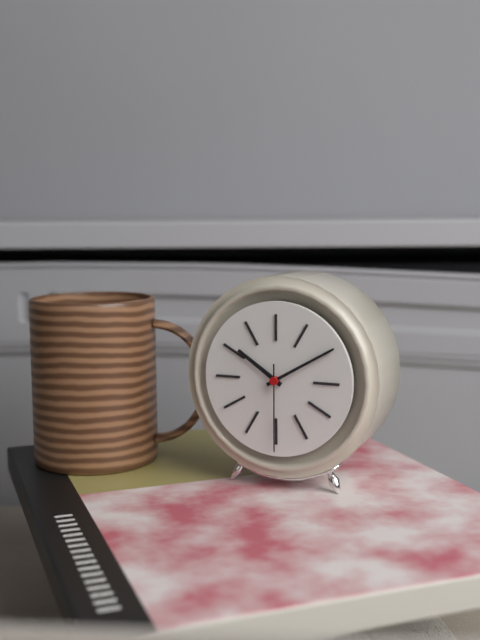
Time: **10:10:30**
